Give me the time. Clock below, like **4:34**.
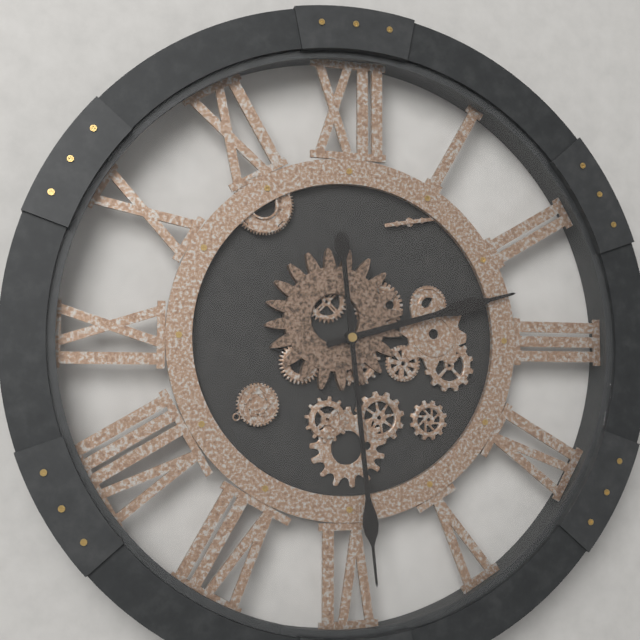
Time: **2:29**
